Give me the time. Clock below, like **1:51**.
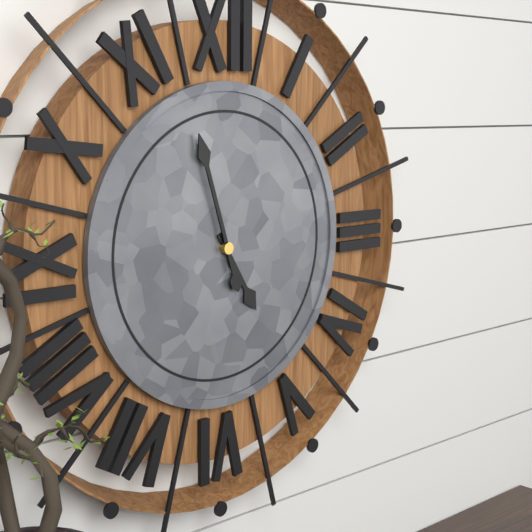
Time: **4:57**
